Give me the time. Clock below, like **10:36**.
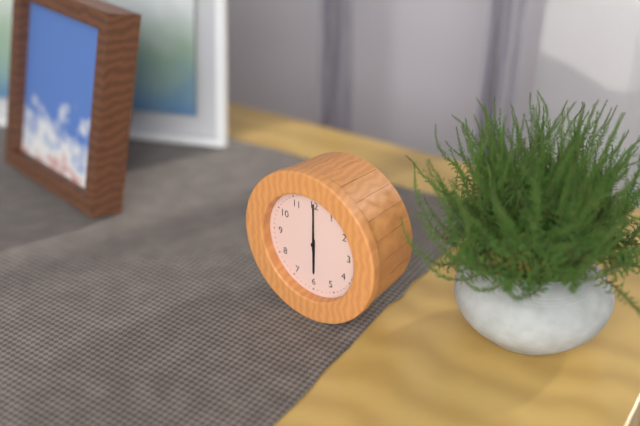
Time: **6:00**
